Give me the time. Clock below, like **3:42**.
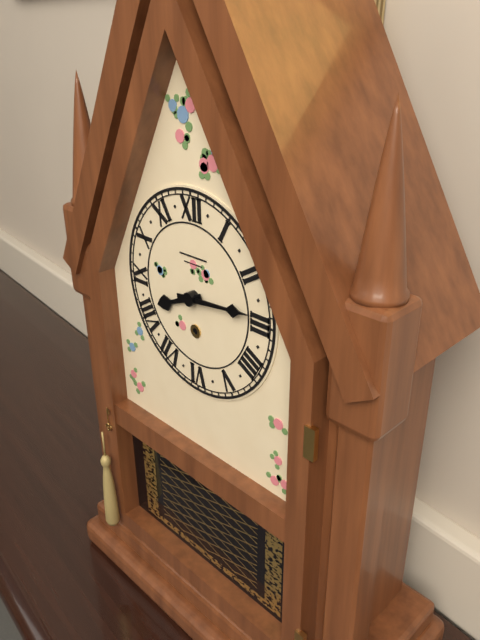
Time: **8:14**
